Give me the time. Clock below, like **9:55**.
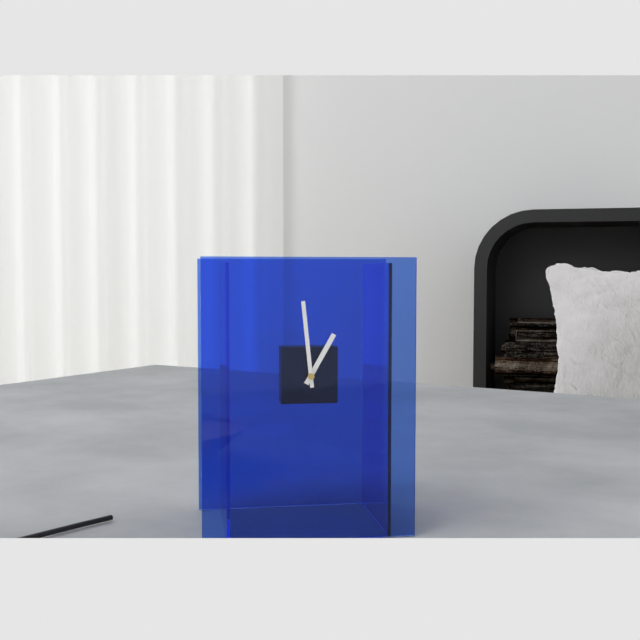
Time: **12:59**
